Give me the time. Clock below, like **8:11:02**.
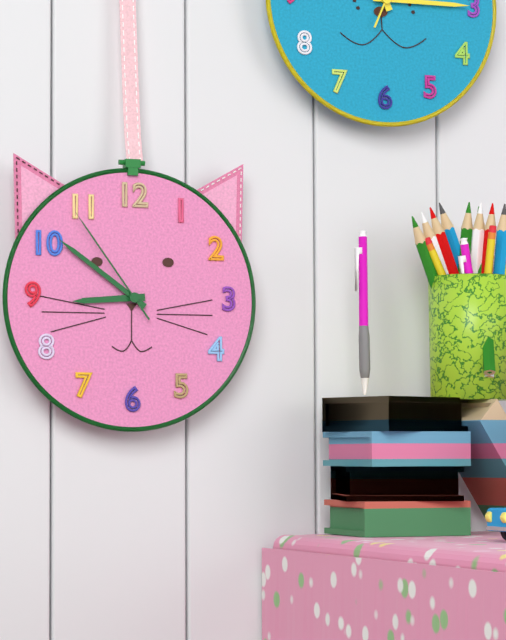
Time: **8:51:54**
